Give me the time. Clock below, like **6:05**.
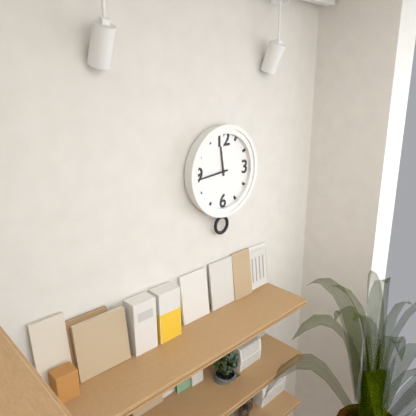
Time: **11:44**
